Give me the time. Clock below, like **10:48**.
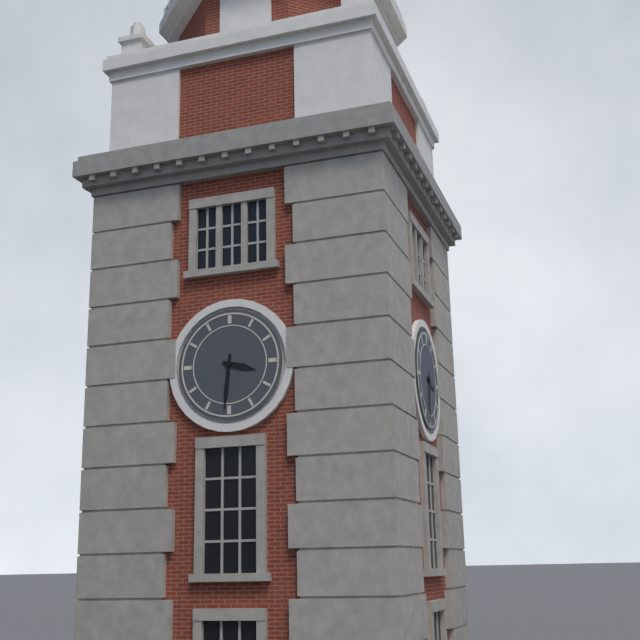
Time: **3:31**
